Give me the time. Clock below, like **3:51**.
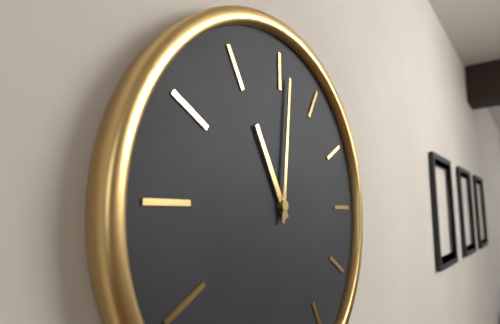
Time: **11:01**
